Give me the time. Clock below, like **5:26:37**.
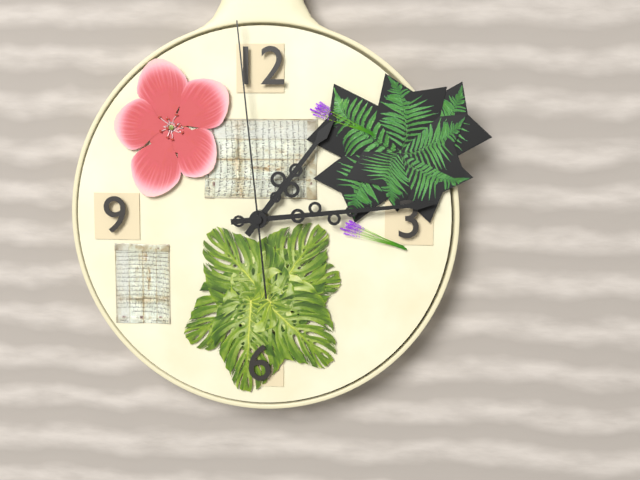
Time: **1:14:59**
